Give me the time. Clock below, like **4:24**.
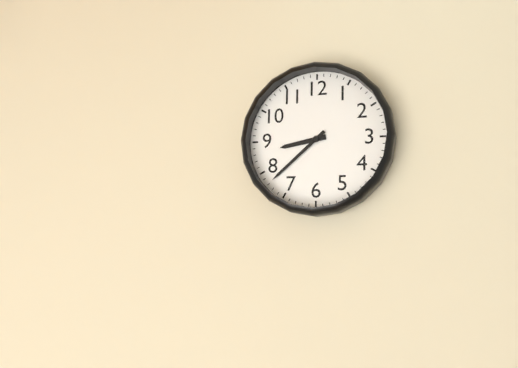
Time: **8:38**
